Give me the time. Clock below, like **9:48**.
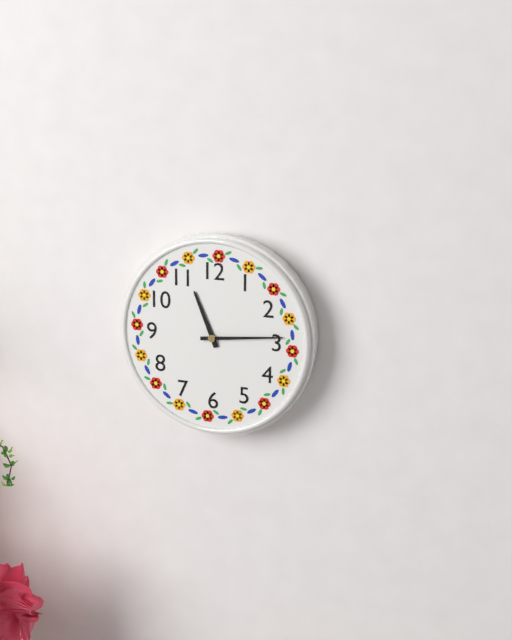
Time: **11:14**
